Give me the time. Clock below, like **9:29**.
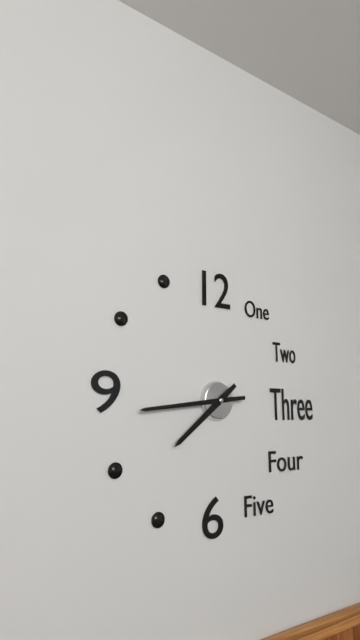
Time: **7:44**
